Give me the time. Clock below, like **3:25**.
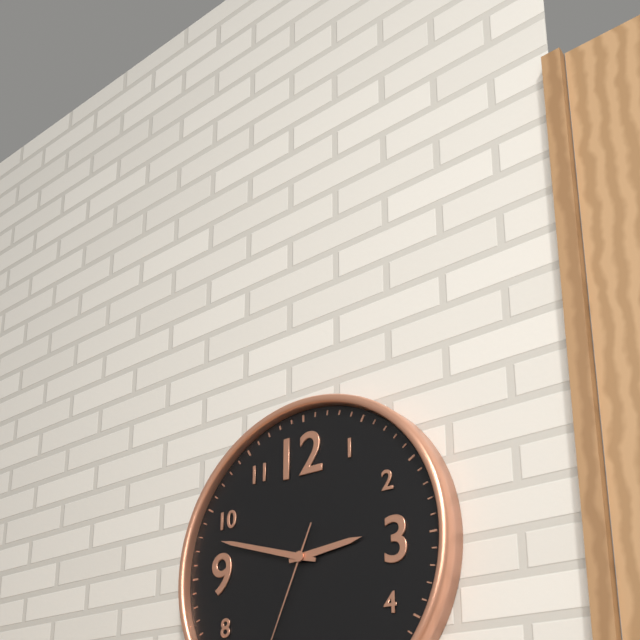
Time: **2:48**
